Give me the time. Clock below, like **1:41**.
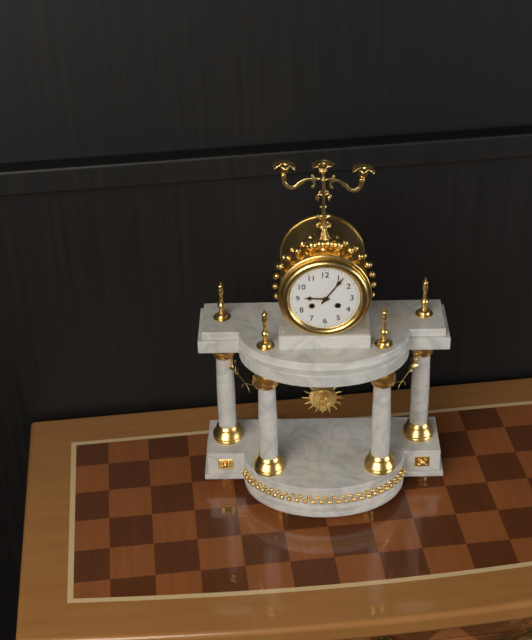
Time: **9:06**
